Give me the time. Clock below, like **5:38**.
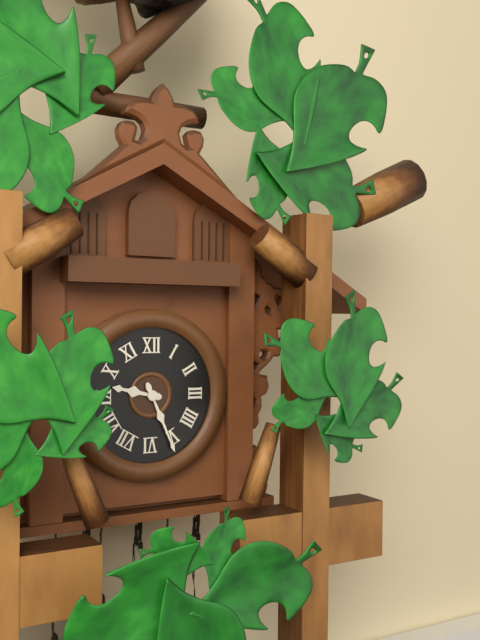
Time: **9:26**
